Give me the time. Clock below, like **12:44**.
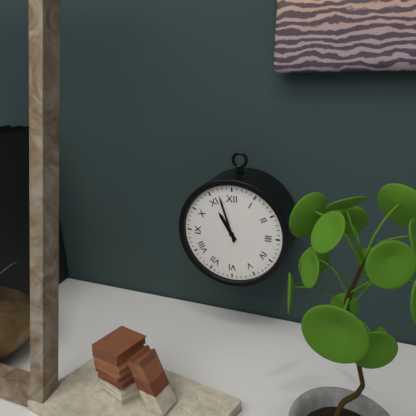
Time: **10:57**
